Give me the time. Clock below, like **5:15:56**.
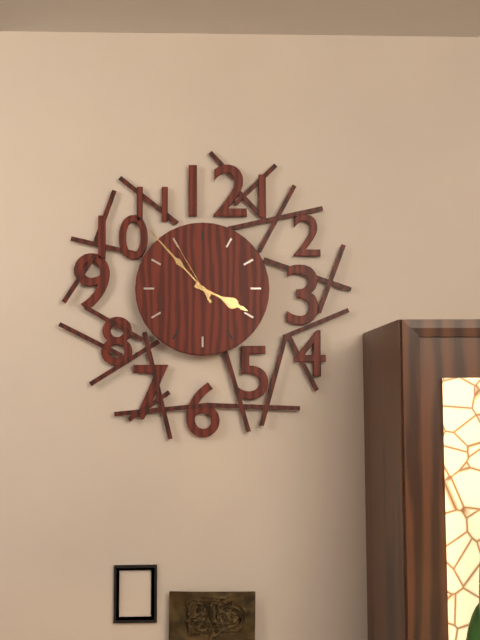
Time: **3:53:55**
